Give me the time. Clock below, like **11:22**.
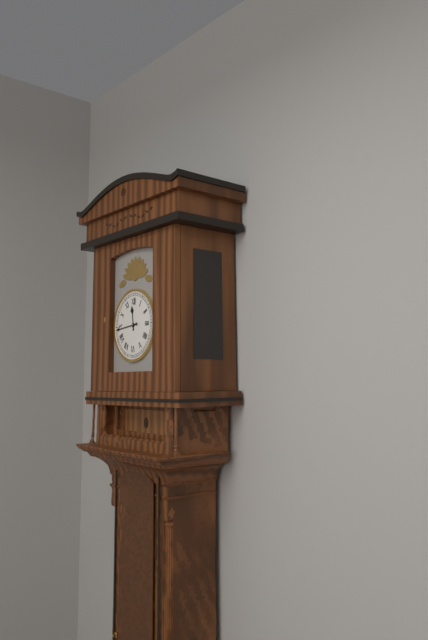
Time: **11:44**
